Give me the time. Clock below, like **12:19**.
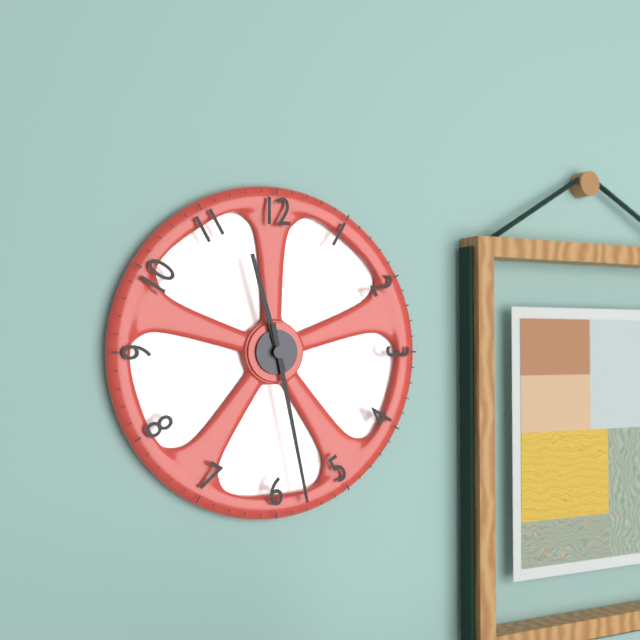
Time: **11:28**
